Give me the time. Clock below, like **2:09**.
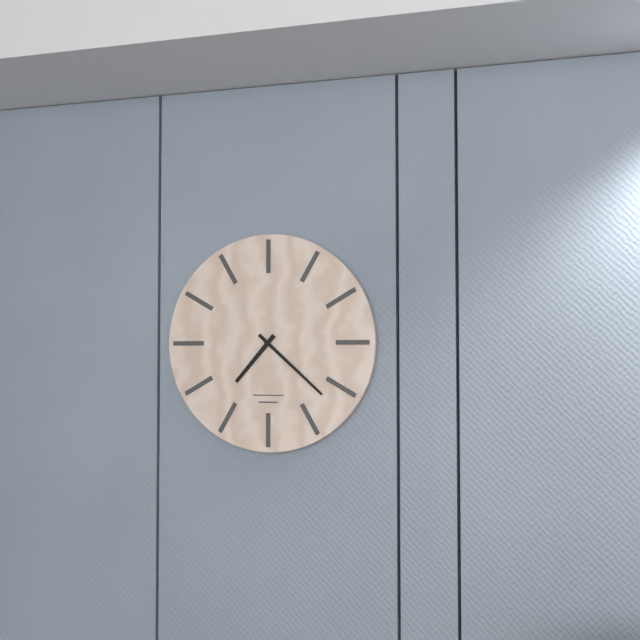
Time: **7:22**
